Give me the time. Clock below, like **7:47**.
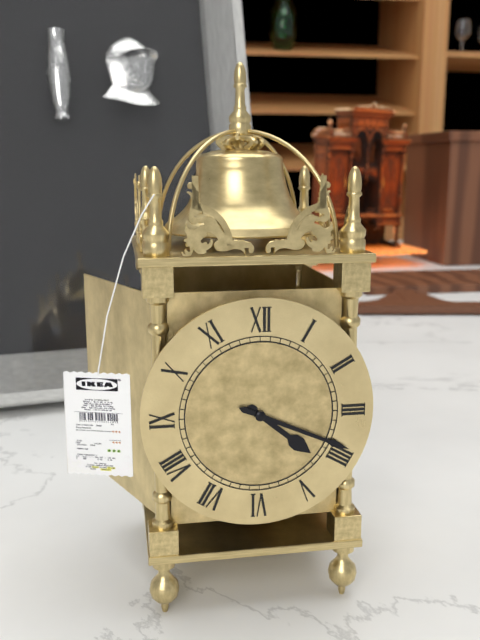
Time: **4:19**
